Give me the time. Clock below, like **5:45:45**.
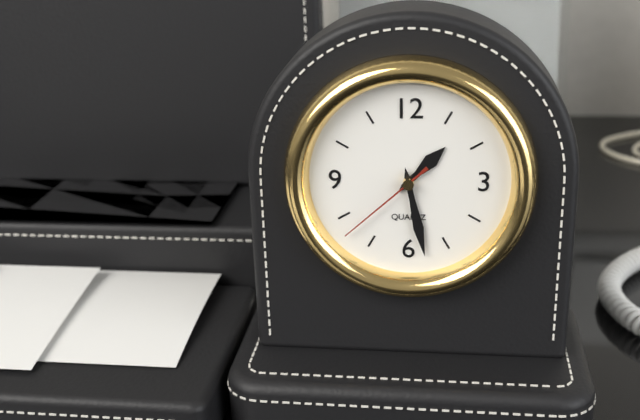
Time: **1:28:38**
